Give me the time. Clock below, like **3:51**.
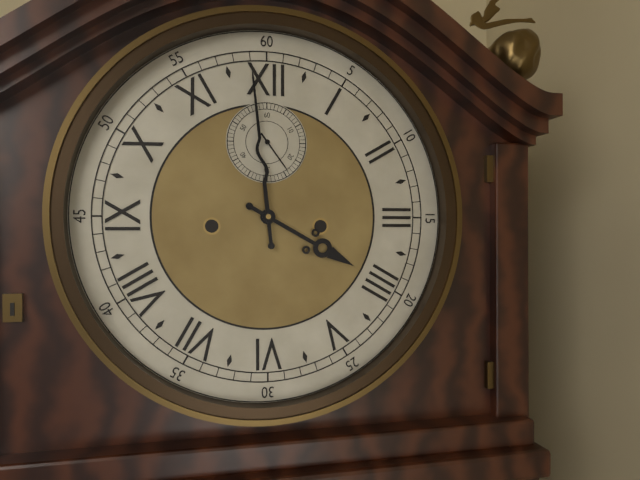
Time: **3:59**
